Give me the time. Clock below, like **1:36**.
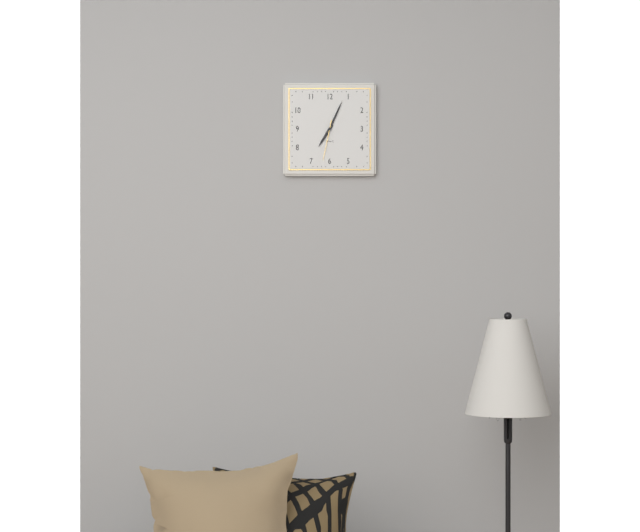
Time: **7:04**
